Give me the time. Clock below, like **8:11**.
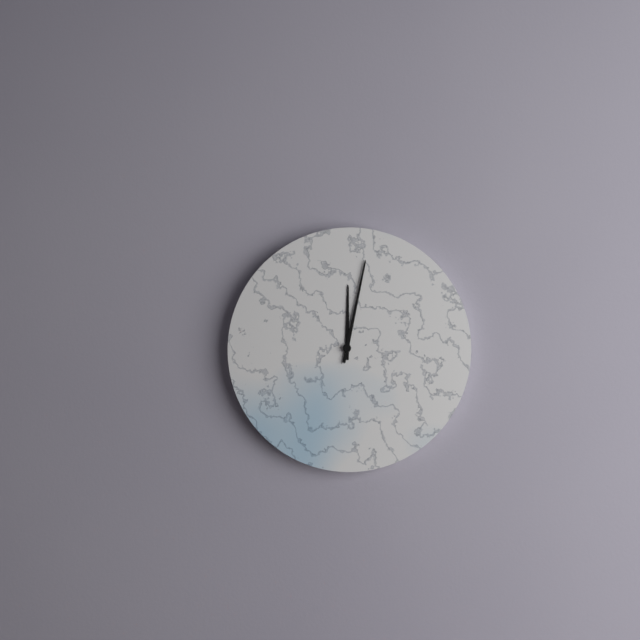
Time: **12:02**
